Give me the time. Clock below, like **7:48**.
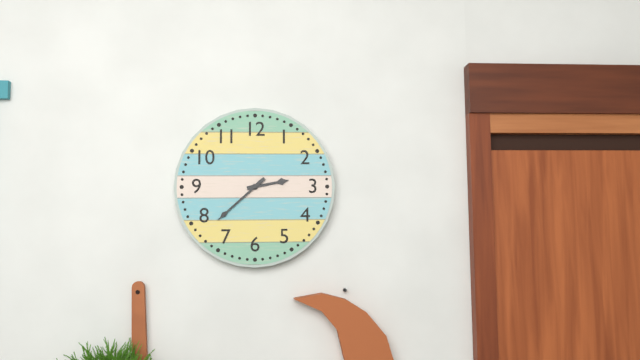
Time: **2:38**
